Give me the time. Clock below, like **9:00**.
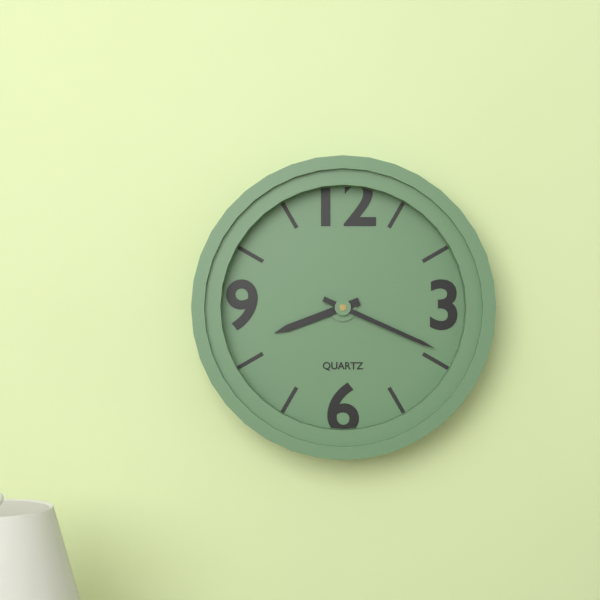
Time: **8:19**
